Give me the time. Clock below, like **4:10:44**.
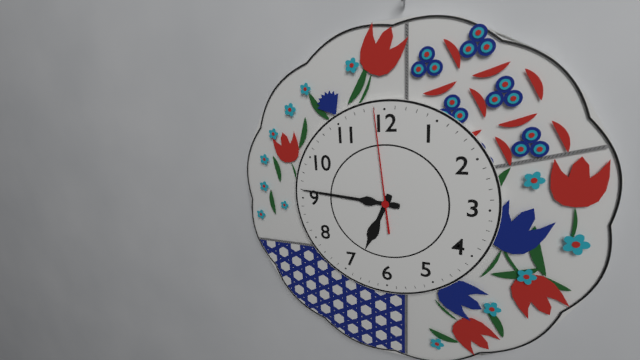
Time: **6:46:59**
